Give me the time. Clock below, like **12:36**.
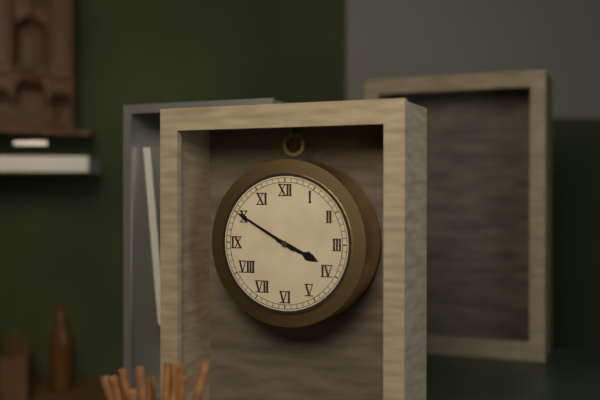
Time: **3:50**
